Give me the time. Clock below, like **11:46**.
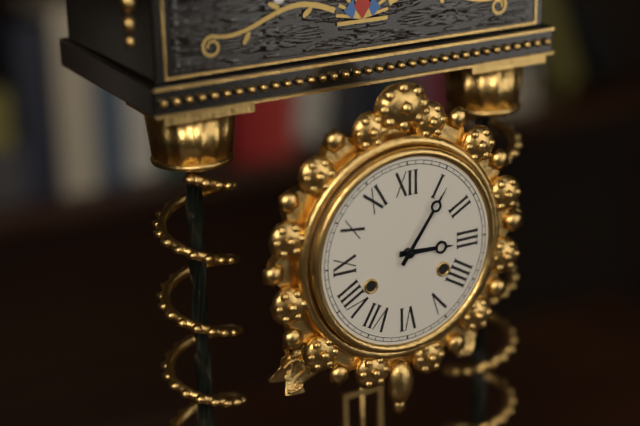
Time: **3:06**
